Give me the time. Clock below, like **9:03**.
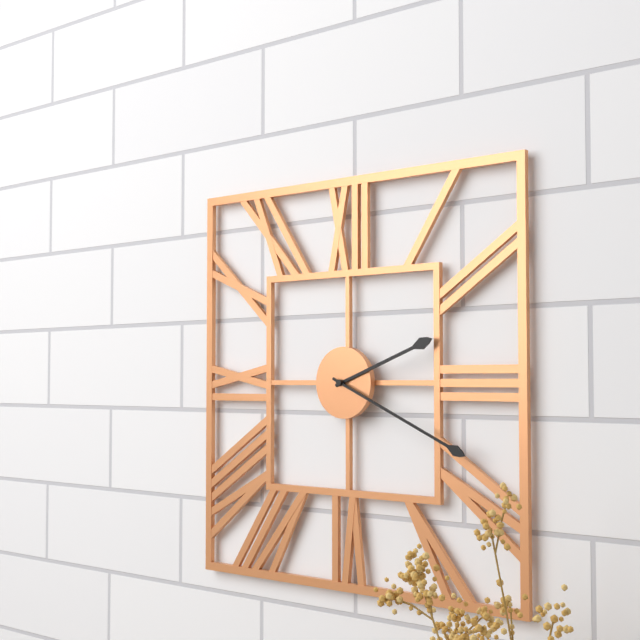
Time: **2:19**
